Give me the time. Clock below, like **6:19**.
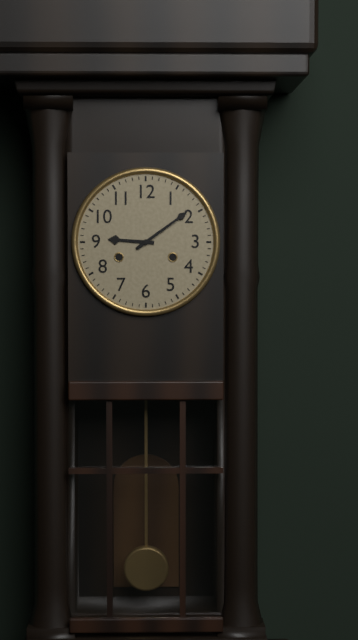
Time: **9:09**
